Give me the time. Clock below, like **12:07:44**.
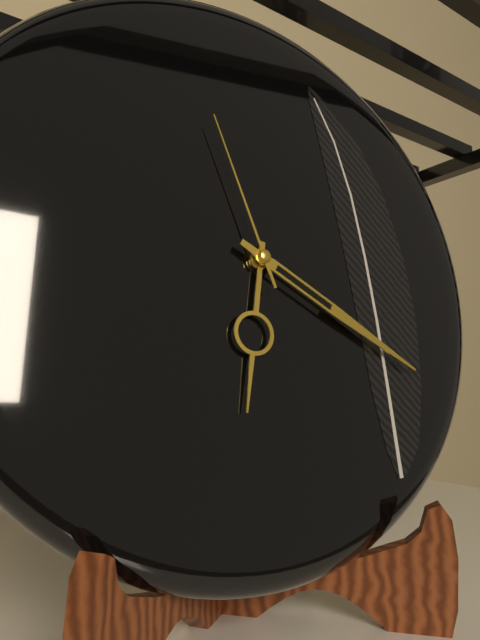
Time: **6:20:57**
